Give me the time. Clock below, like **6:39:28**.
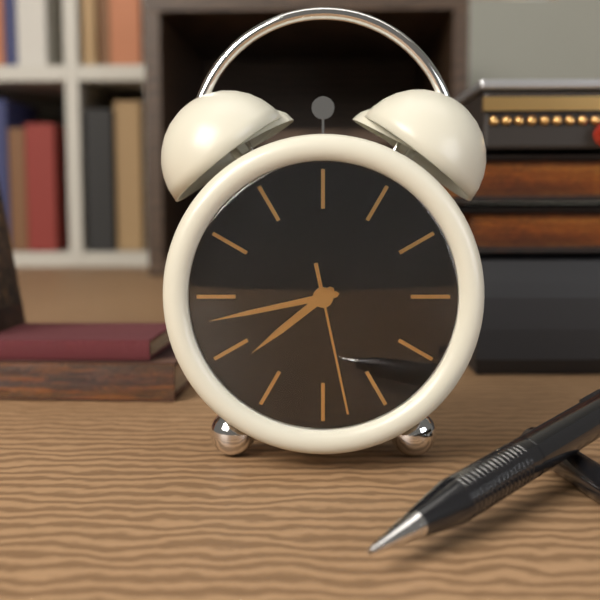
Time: **7:43:28**
